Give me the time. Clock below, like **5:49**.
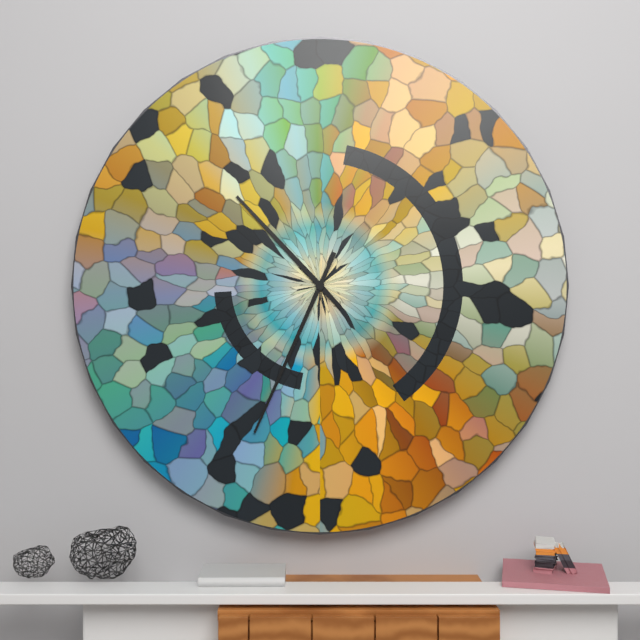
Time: **10:34**
